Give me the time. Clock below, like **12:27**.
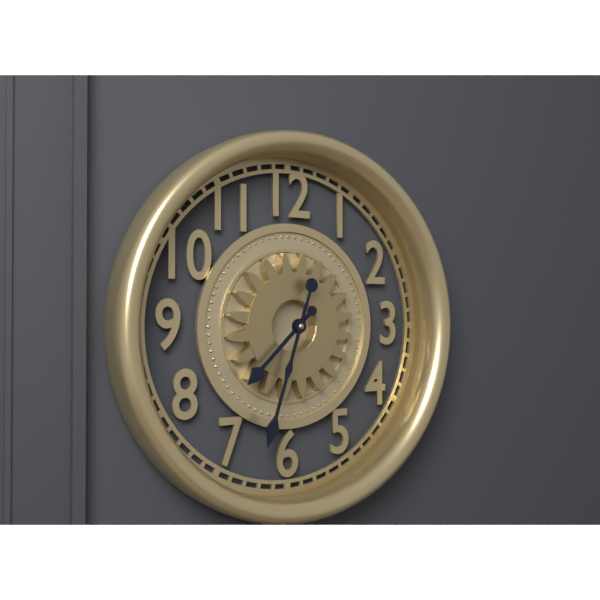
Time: **7:33**
